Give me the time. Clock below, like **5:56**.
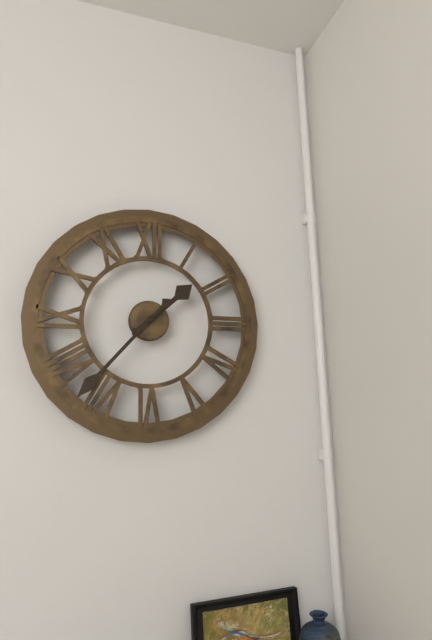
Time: **1:37**
